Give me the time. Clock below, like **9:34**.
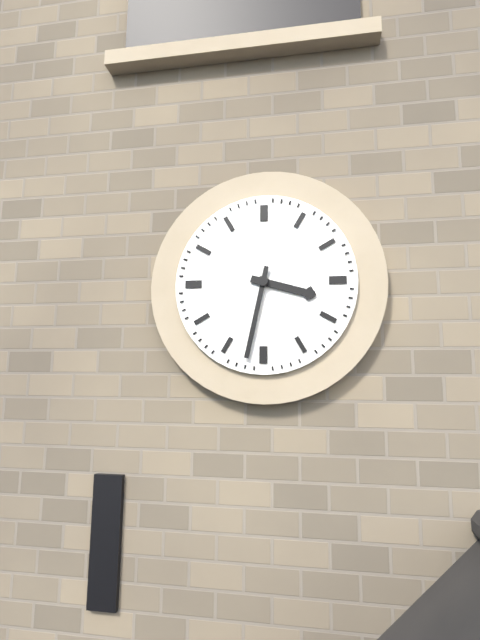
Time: **3:32**
